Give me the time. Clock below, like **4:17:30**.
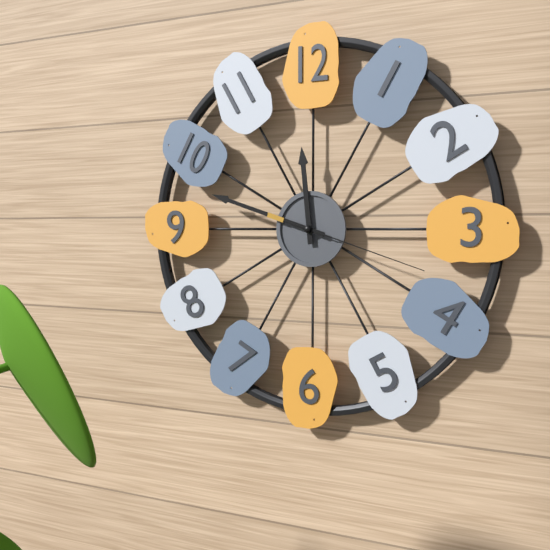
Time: **11:48:18**
